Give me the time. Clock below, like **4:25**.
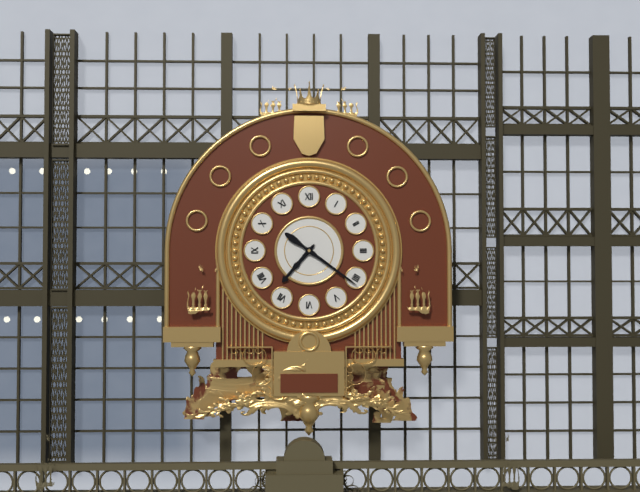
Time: **7:21**
